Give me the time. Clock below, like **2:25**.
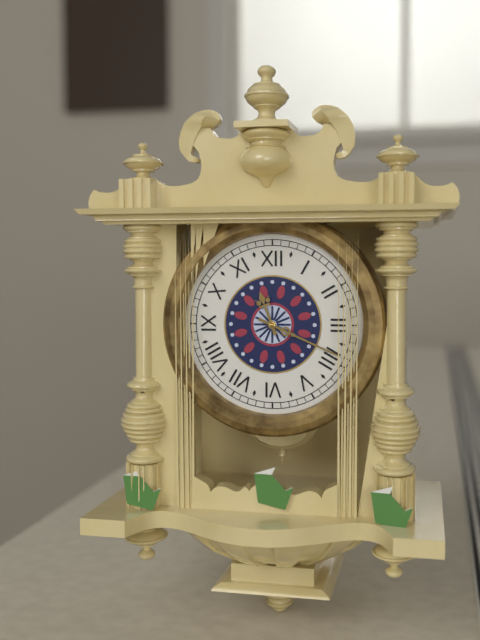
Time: **11:19**
